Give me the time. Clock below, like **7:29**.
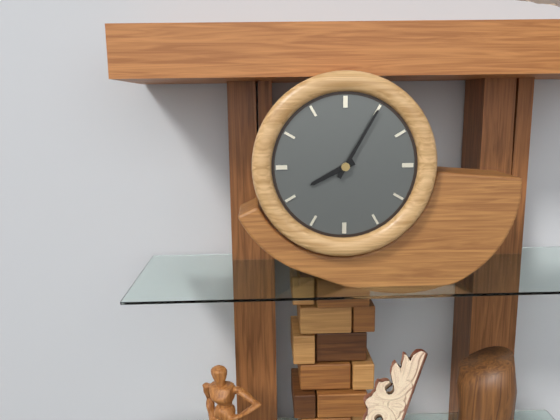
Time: **8:05**
